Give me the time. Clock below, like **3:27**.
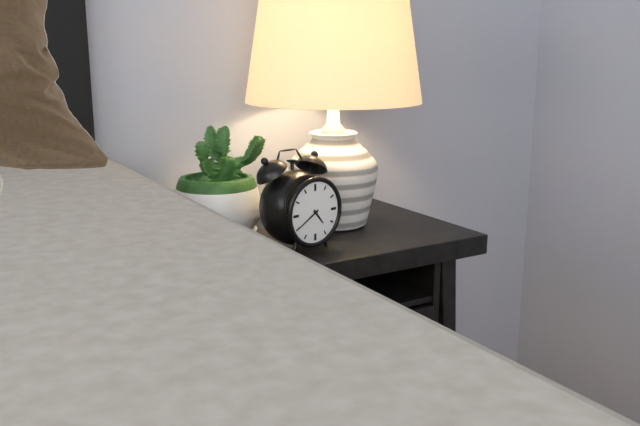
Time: **4:40**
